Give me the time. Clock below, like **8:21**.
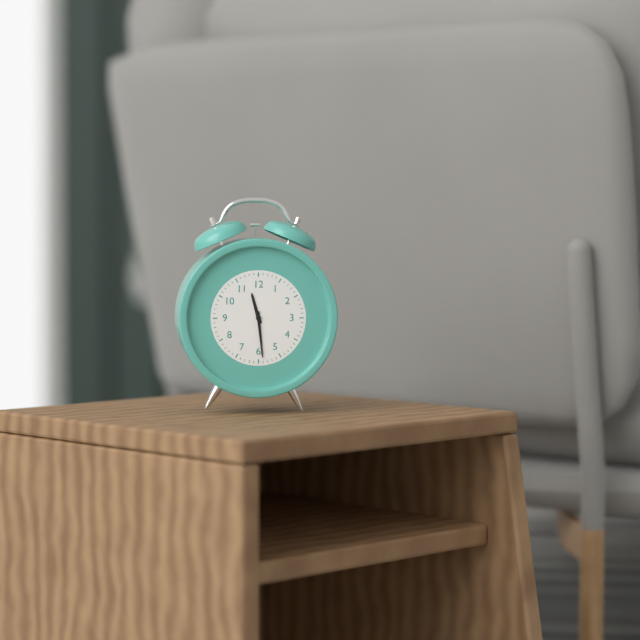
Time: **11:29**
